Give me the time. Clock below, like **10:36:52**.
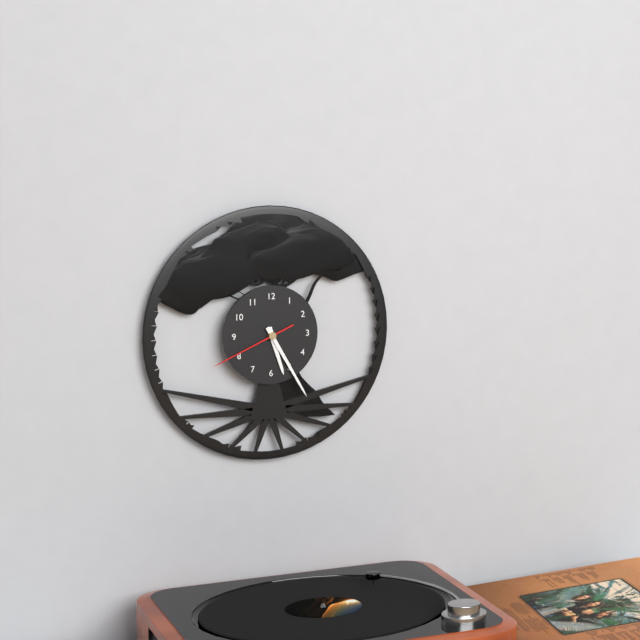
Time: **5:25:41**
